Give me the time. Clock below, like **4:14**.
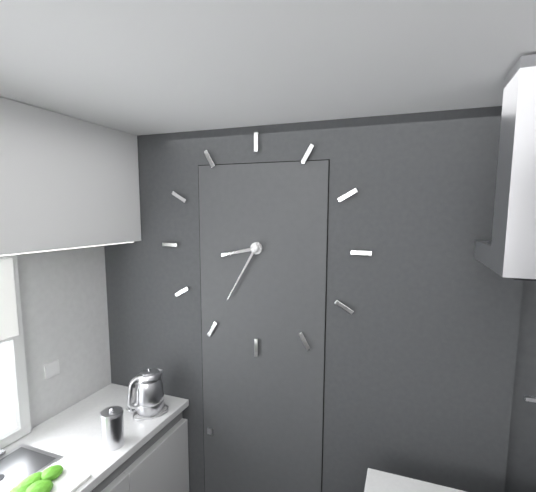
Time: **8:35**
